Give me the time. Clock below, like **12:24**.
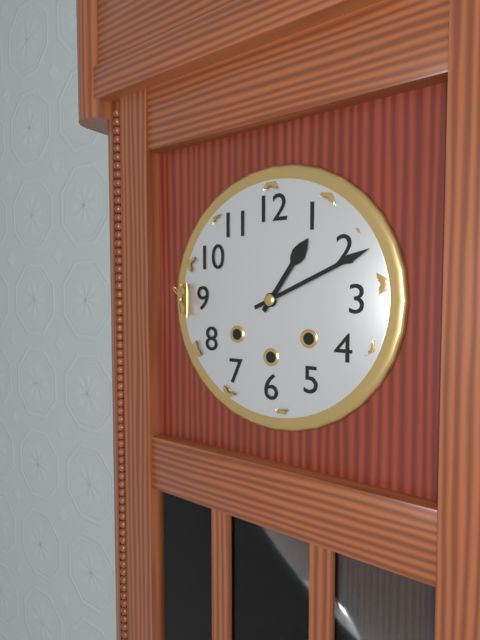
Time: **1:11**
